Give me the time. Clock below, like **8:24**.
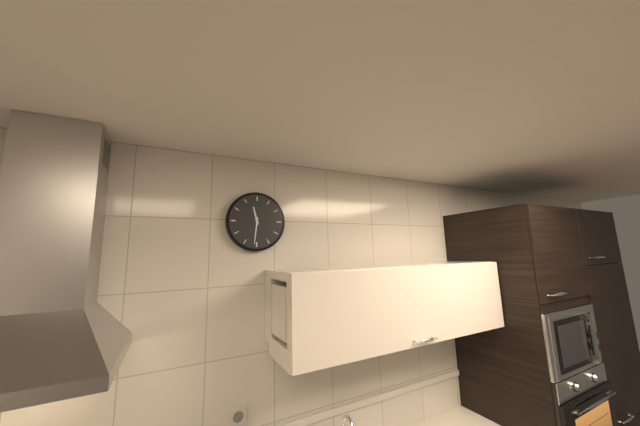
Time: **11:31**
